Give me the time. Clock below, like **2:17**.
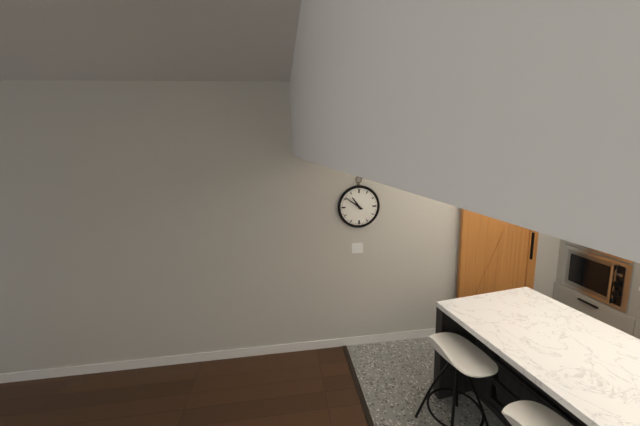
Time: **10:51**
